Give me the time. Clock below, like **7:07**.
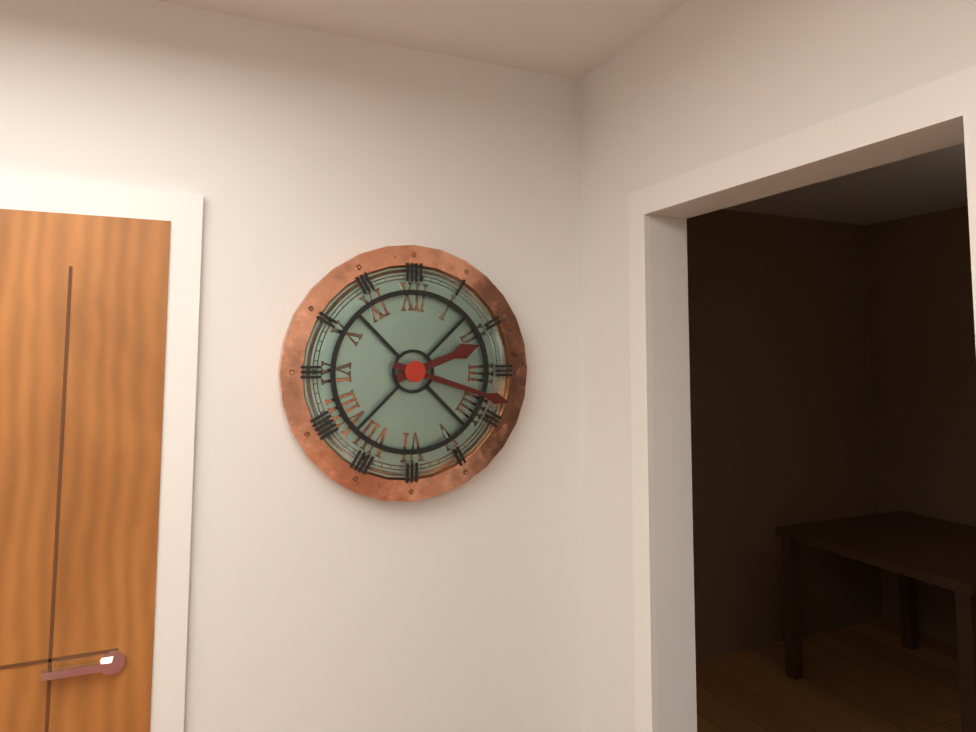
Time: **2:18**
